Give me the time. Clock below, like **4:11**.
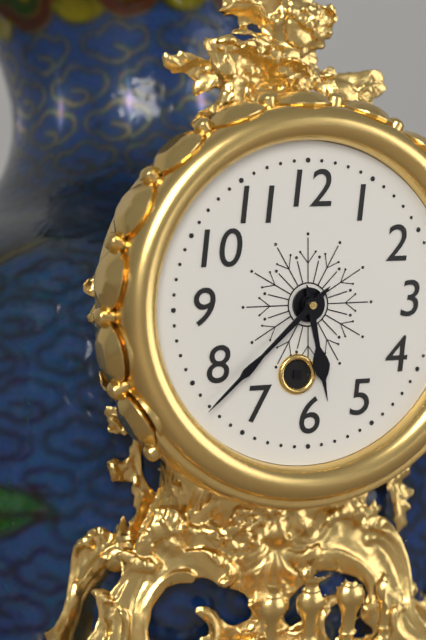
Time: **5:38**
